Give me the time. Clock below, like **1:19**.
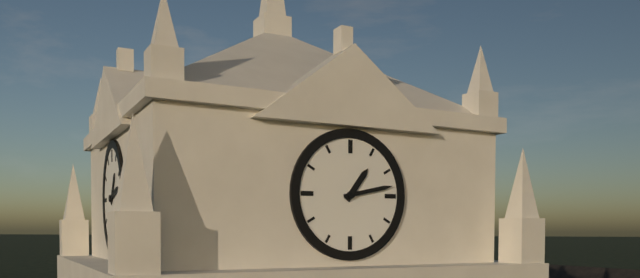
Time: **1:13**
